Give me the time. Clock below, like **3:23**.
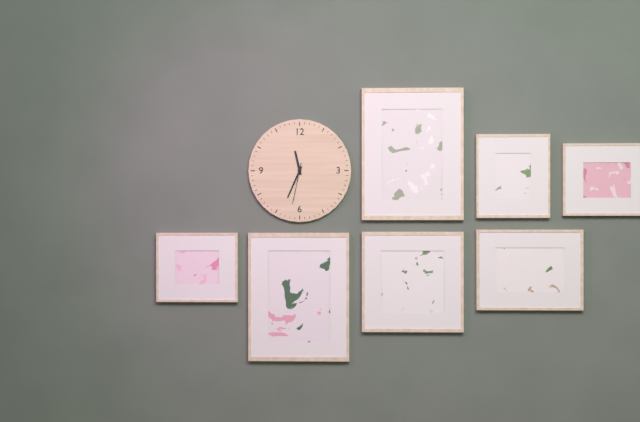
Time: **11:34**
